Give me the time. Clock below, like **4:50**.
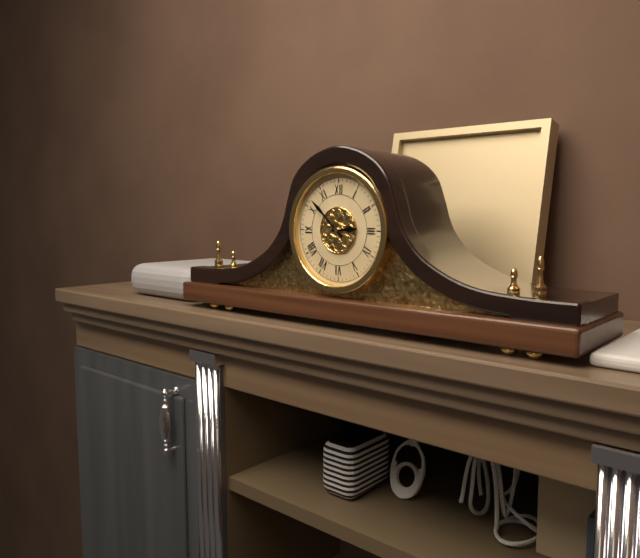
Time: **2:52**
